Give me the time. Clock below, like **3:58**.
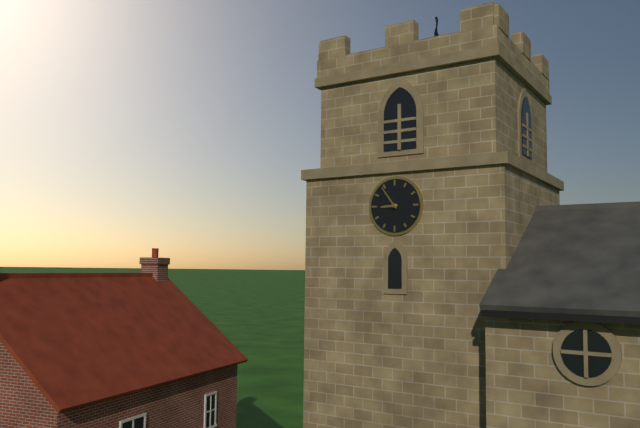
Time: **8:54**
